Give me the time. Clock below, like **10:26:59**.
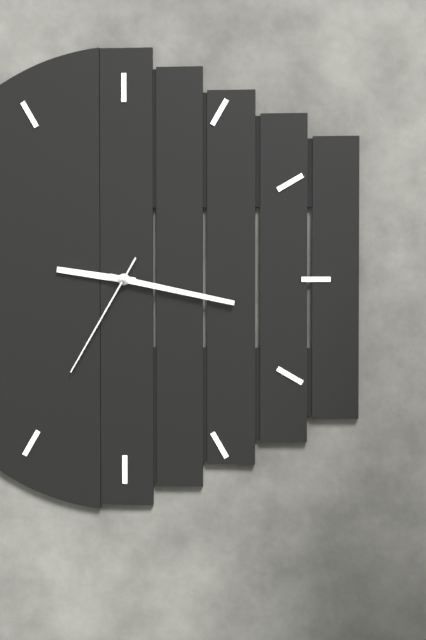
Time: **9:17:35**
